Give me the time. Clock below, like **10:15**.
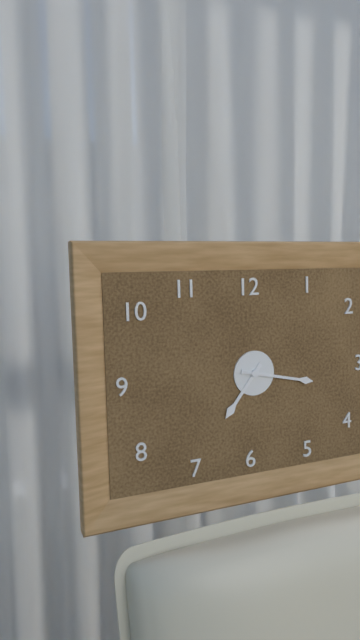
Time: **7:17**
